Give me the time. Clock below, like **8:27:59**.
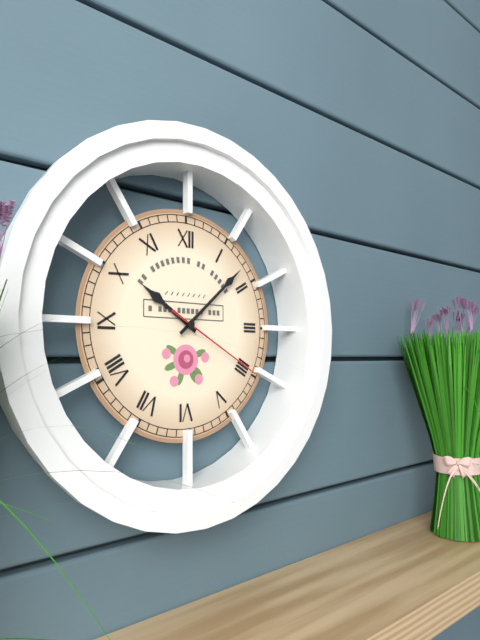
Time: **10:08:20**
